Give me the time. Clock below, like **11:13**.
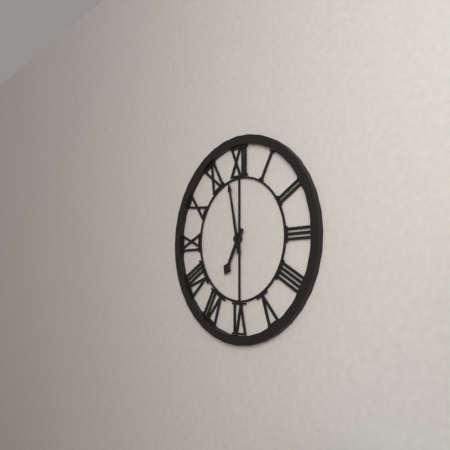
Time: **6:58**
